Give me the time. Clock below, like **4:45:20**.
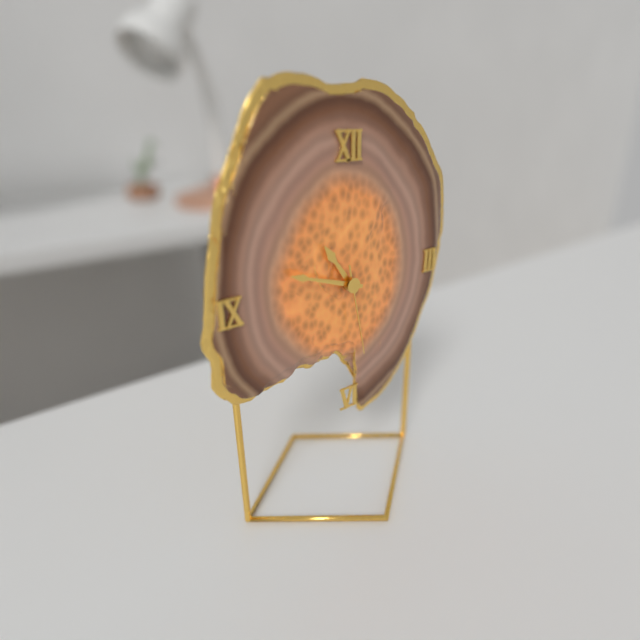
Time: **10:48:28**
